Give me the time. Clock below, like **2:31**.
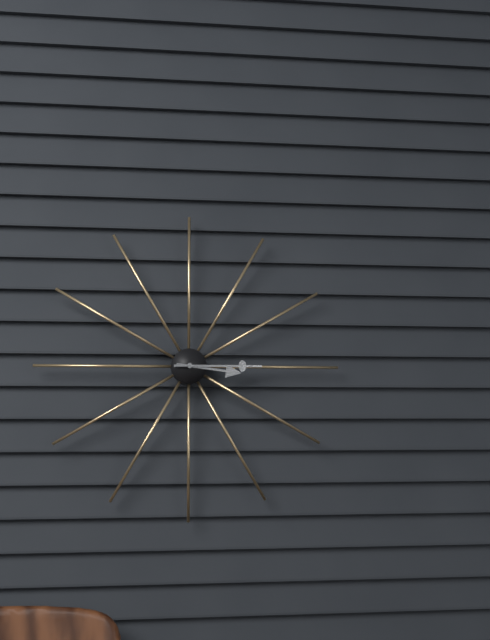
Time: **3:15**
